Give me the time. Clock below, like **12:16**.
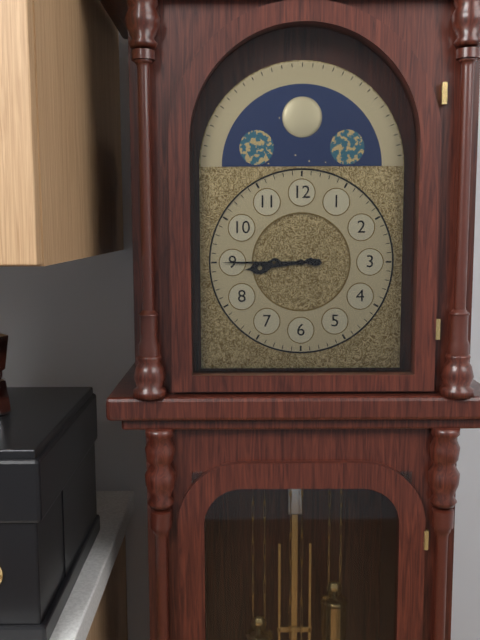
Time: **8:45**
